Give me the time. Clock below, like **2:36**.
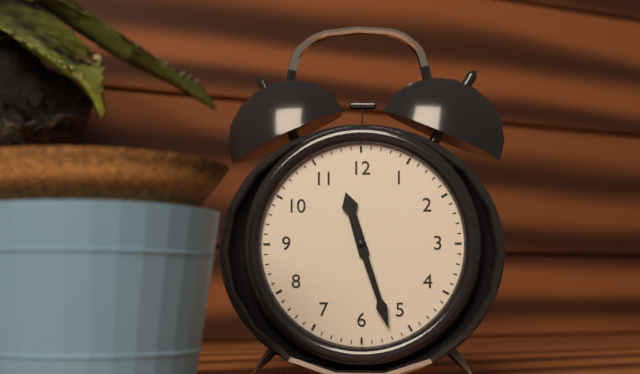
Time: **11:27**
